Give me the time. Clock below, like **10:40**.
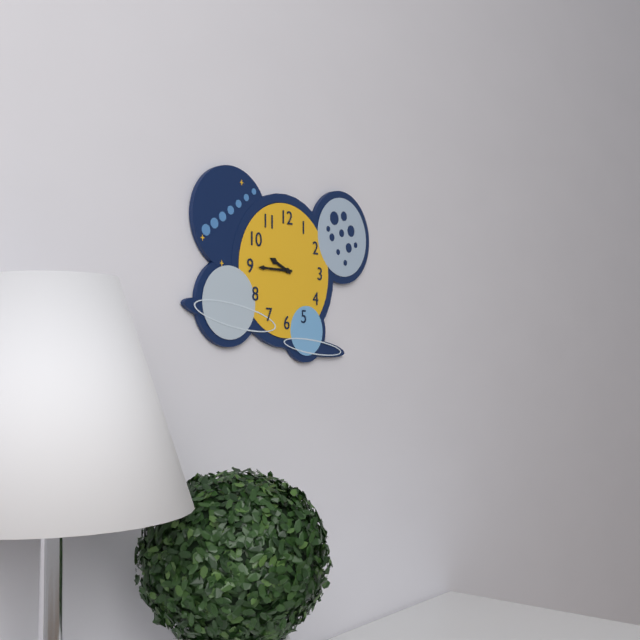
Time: **9:45**
